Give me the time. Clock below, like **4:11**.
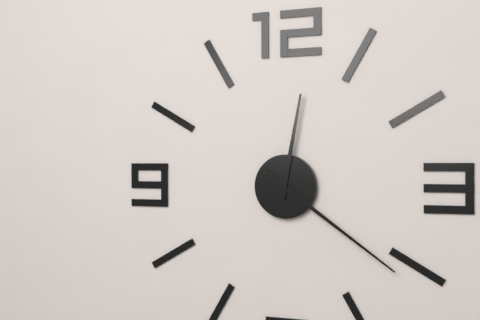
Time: **12:21**
